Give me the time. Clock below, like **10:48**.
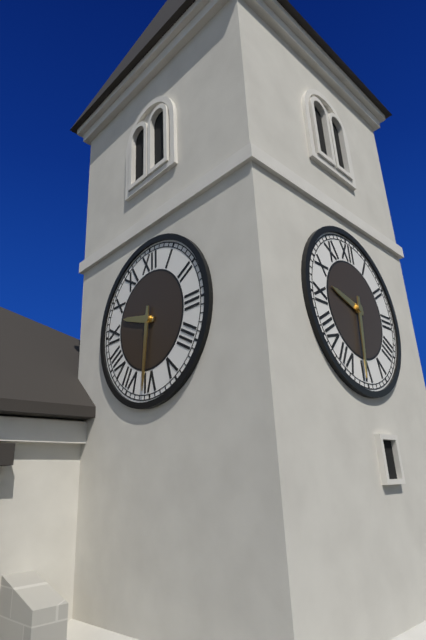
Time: **9:31**
